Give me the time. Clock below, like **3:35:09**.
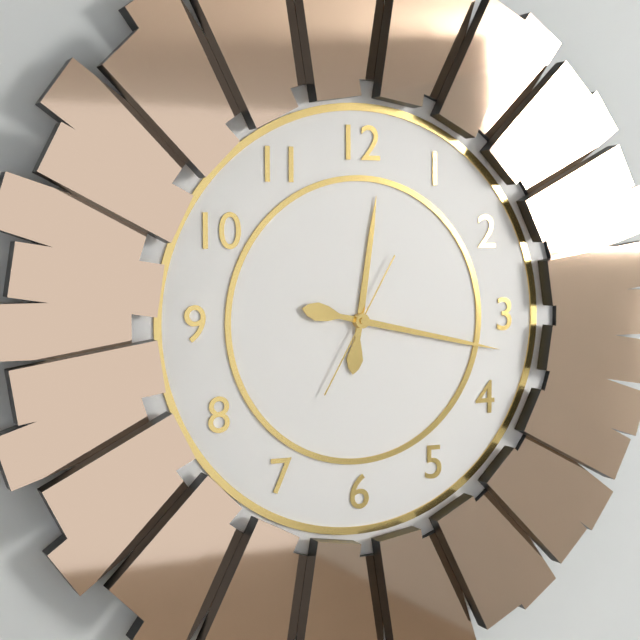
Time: **12:17:35**
